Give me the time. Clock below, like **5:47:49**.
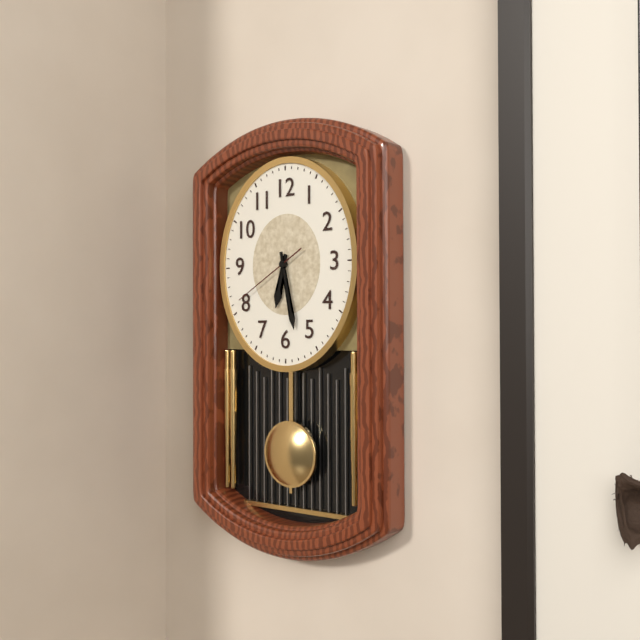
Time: **6:28:40**
